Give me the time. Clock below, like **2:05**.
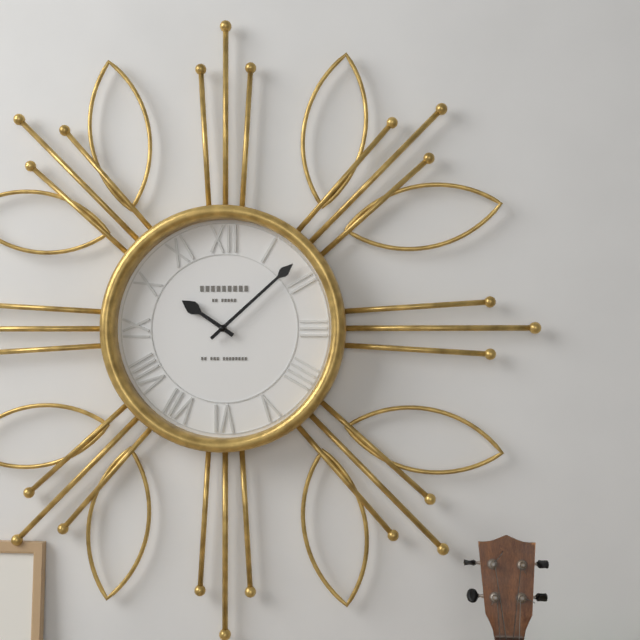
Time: **10:08**
